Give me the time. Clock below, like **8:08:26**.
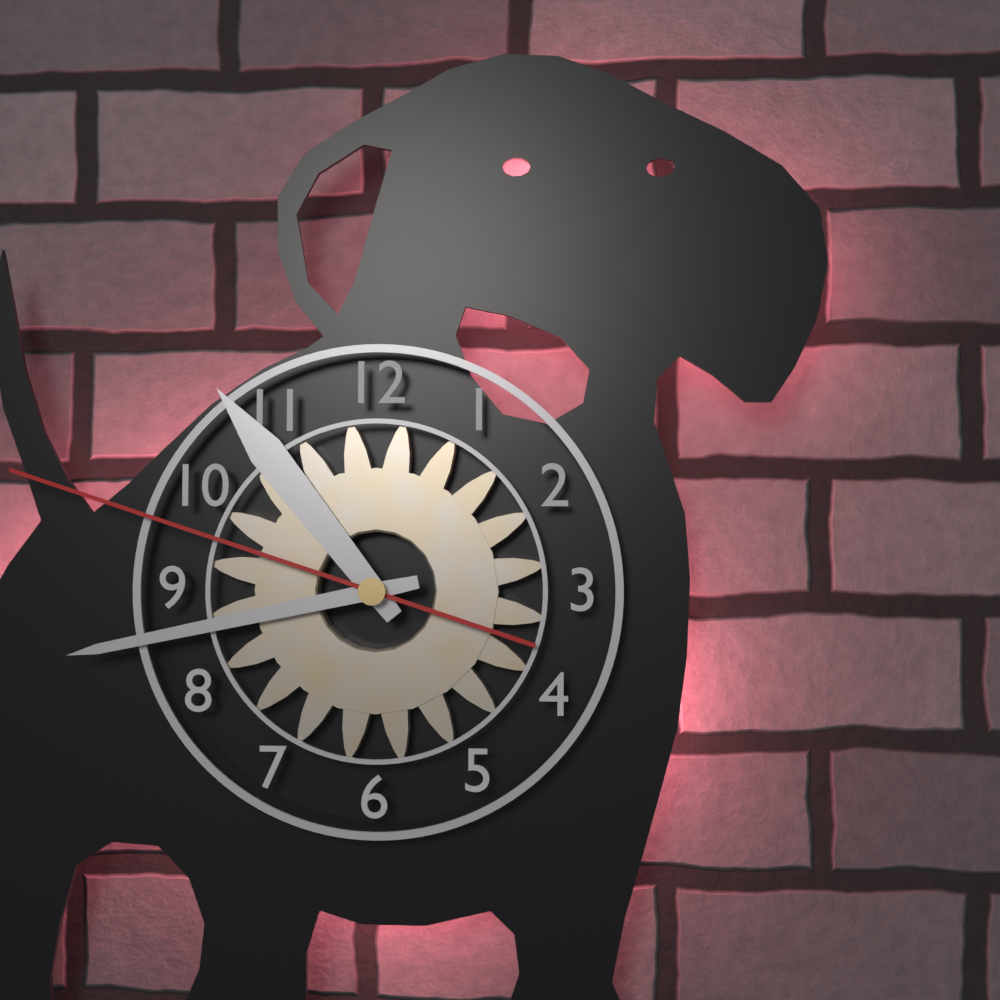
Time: **10:43:48**
